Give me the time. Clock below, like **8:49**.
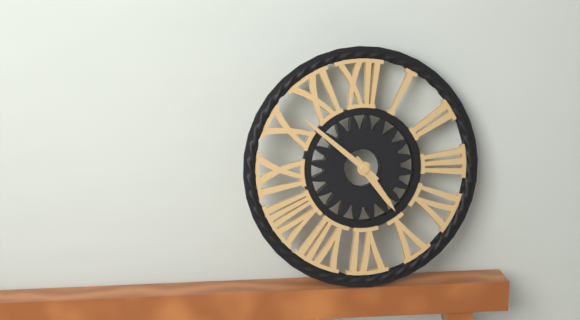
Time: **4:52**
